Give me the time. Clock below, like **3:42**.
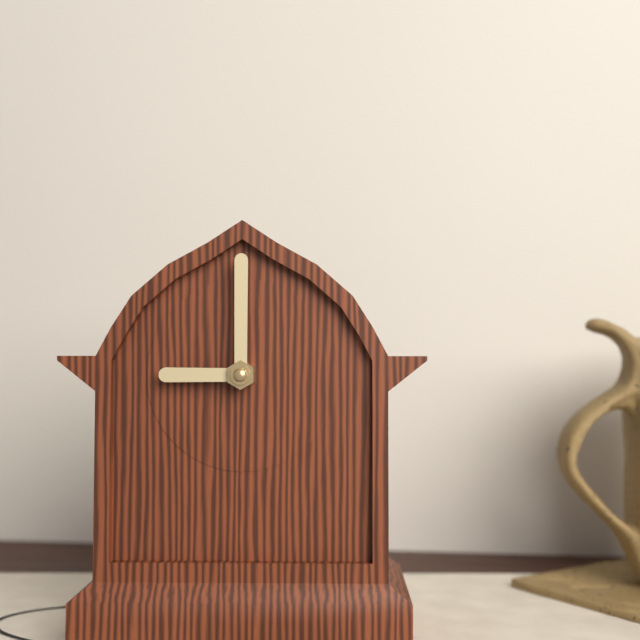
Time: **9:00**
